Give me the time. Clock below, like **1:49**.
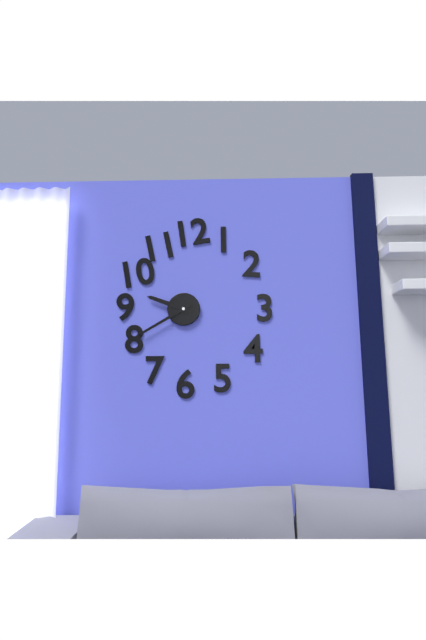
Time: **9:40**
